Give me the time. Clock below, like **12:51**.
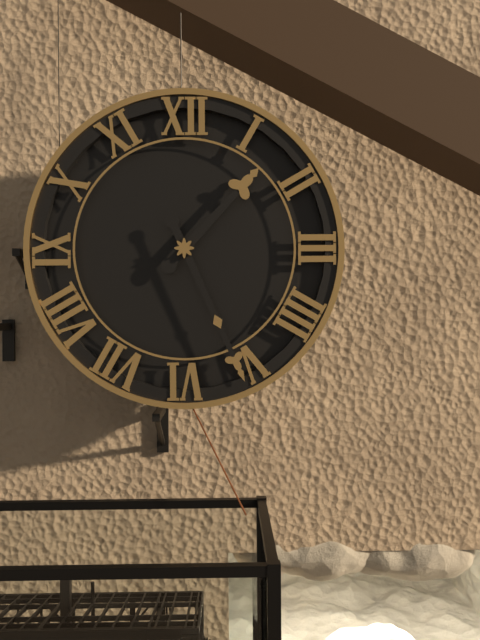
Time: **1:26**
